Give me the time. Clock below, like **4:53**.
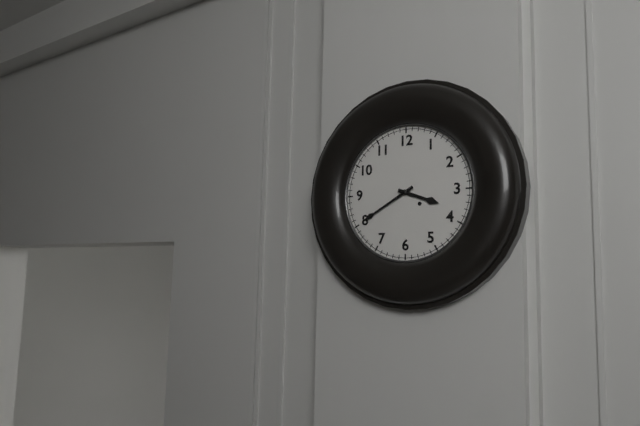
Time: **3:40**
